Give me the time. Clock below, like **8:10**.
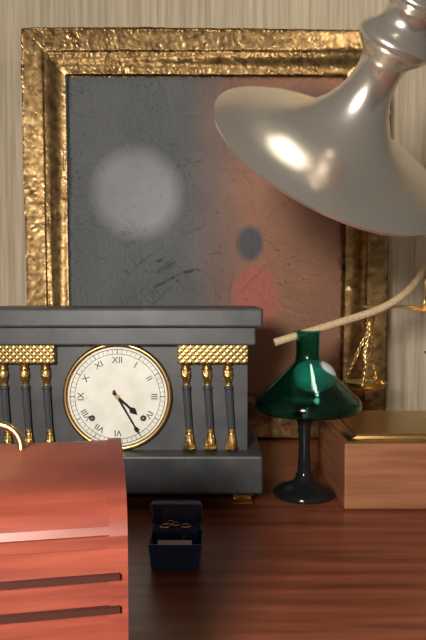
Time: **4:25**
